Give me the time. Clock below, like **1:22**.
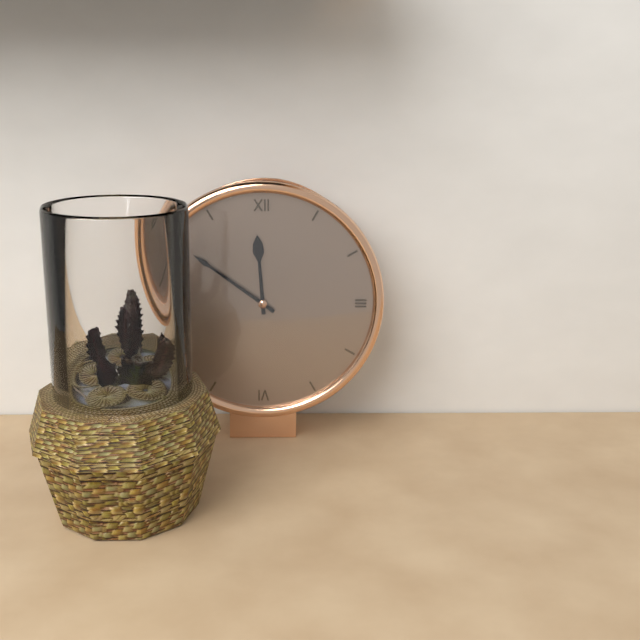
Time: **11:51**
